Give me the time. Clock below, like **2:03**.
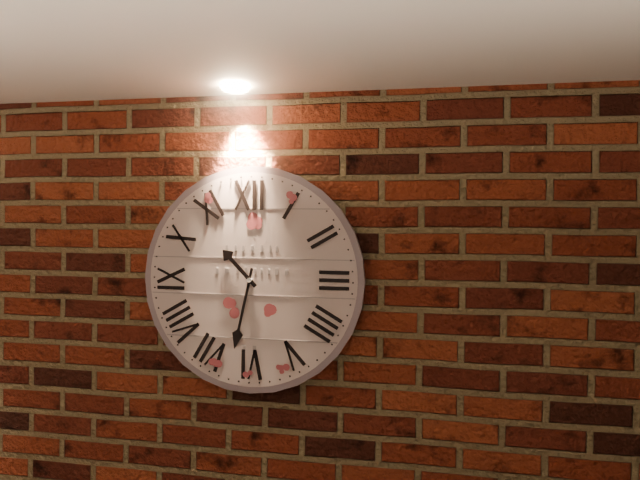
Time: **10:32**
